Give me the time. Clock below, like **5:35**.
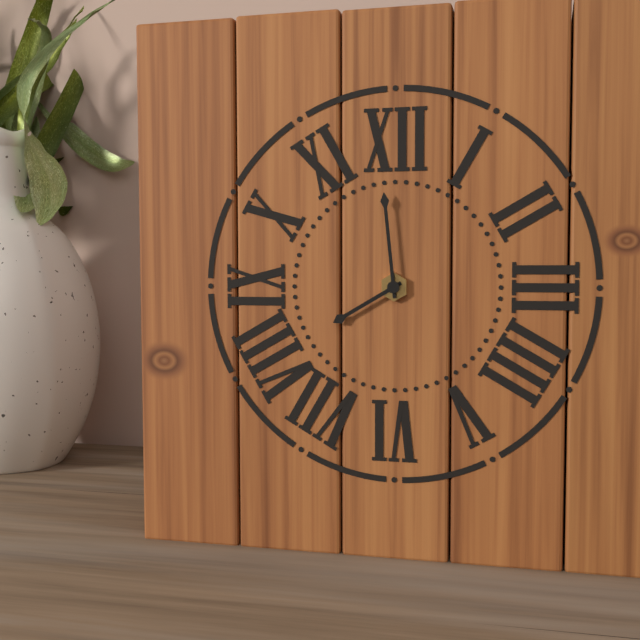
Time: **7:59**
